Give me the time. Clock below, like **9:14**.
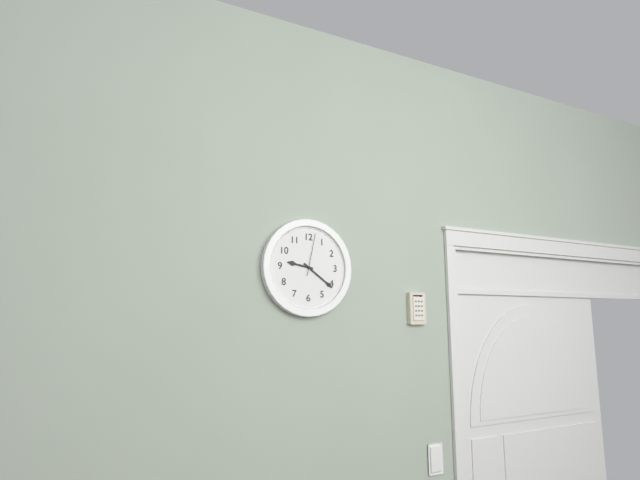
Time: **9:21**
